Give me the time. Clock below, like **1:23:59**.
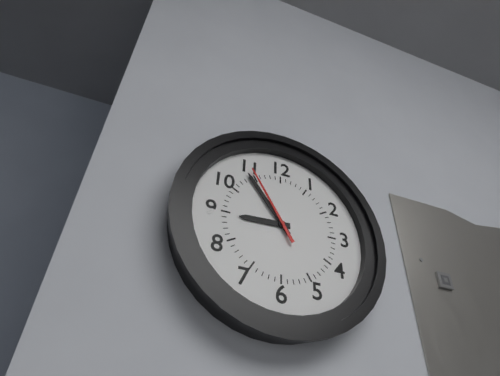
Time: **8:54:55**
